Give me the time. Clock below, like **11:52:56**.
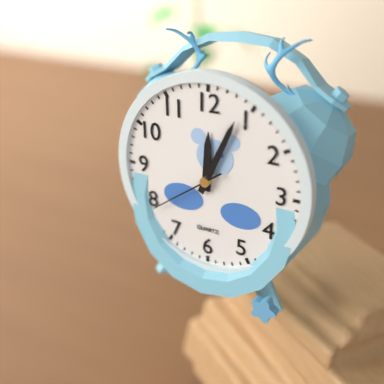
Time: **12:04:39**
